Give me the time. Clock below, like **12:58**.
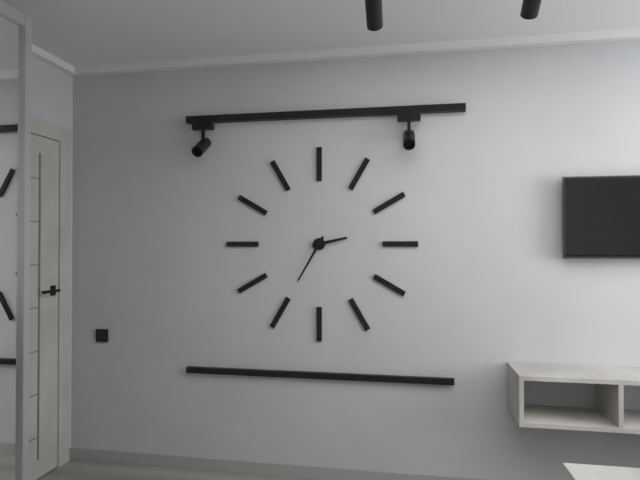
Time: **2:35**
